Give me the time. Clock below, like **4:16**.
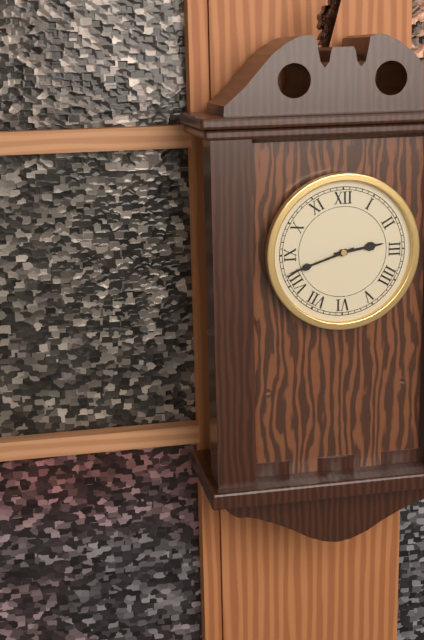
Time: **2:42**
